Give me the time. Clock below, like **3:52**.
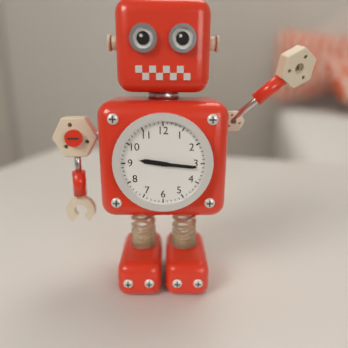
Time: **9:16**
